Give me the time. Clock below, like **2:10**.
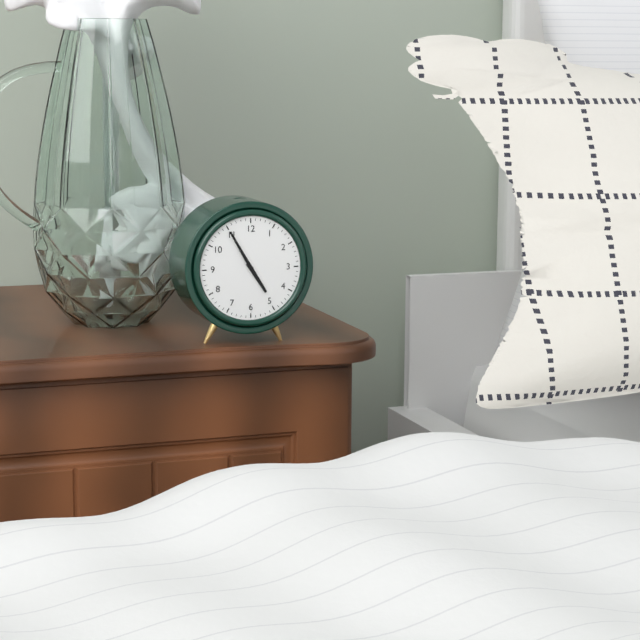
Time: **4:55**
